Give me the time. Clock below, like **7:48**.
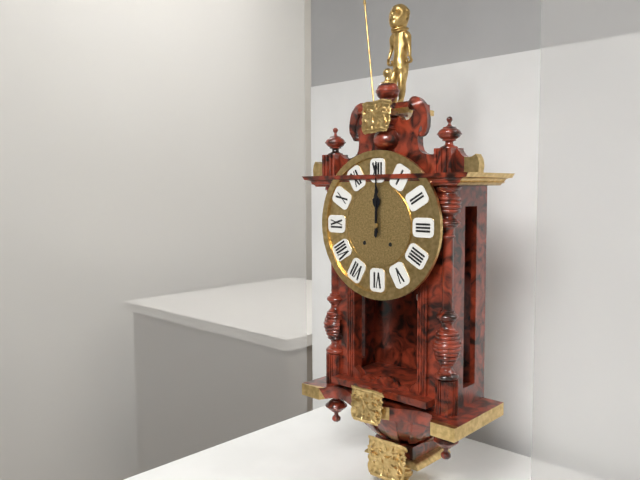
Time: **12:00**
